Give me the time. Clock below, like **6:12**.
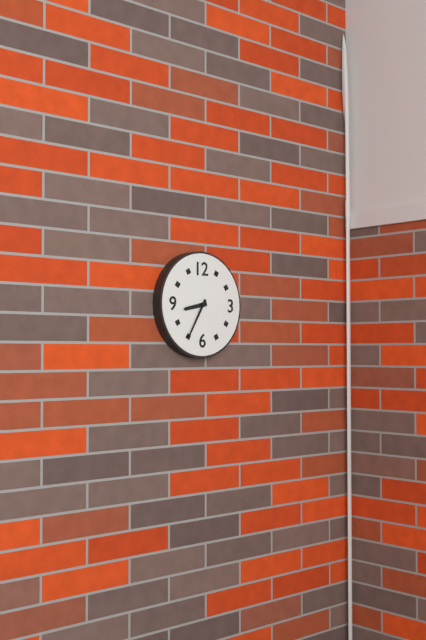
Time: **8:35**
